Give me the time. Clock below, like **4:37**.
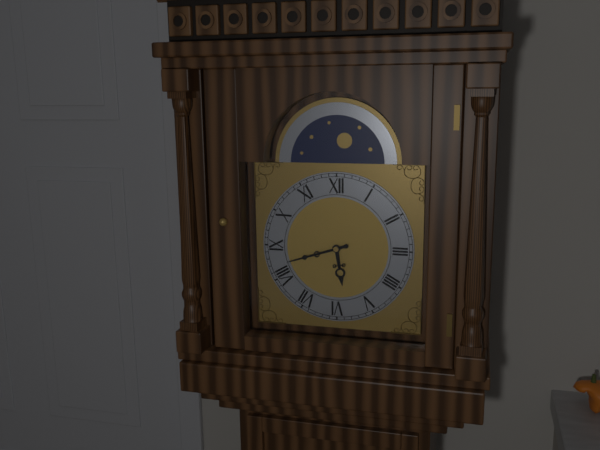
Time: **5:42**
